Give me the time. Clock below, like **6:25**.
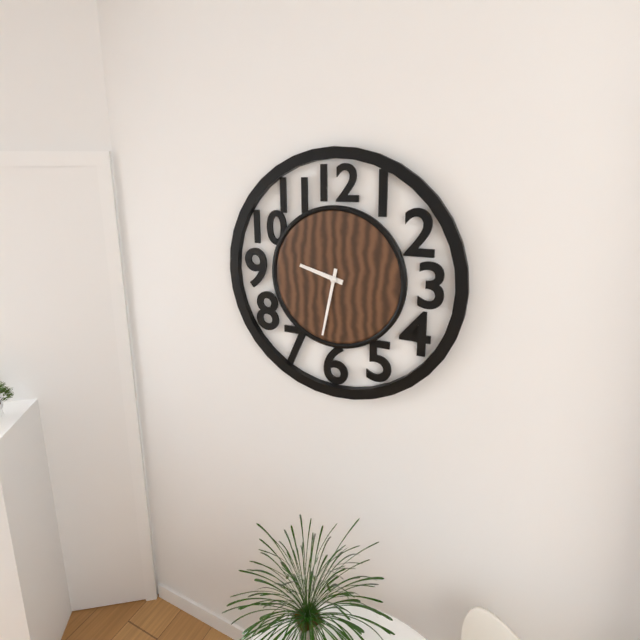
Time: **9:32**
